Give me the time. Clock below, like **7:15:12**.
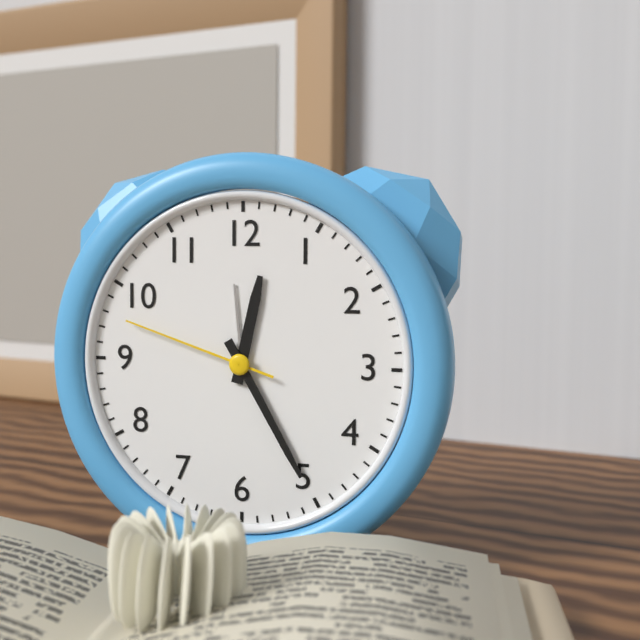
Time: **12:25:48**
